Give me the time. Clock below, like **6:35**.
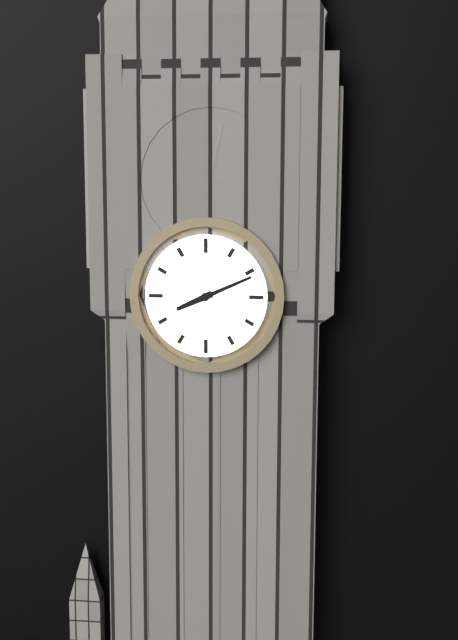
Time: **8:11**
